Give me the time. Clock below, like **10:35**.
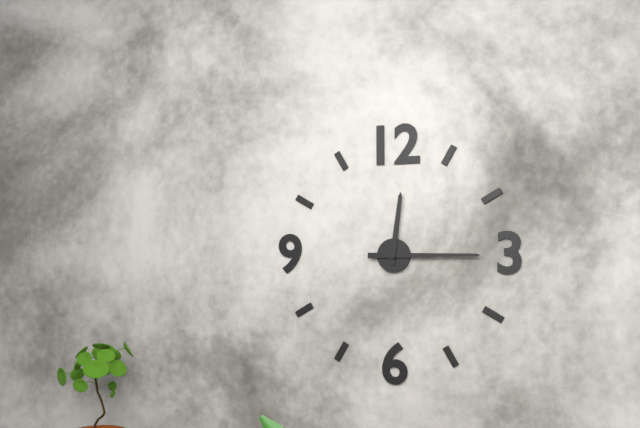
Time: **12:15**
